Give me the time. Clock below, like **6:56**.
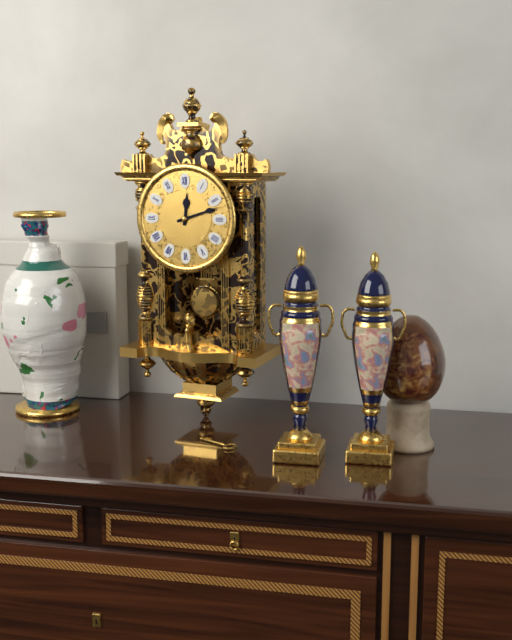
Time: **12:12**
